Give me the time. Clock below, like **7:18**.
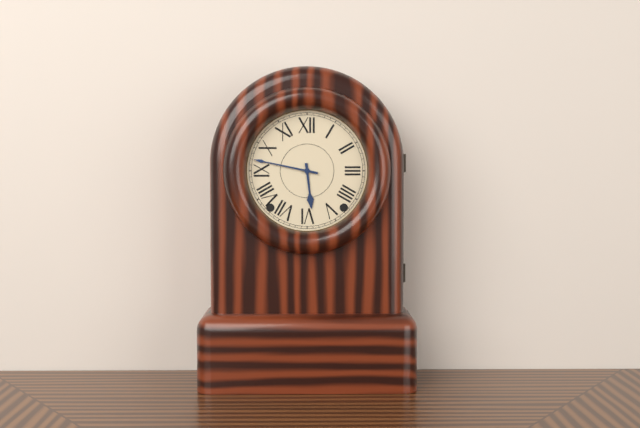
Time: **5:47**
